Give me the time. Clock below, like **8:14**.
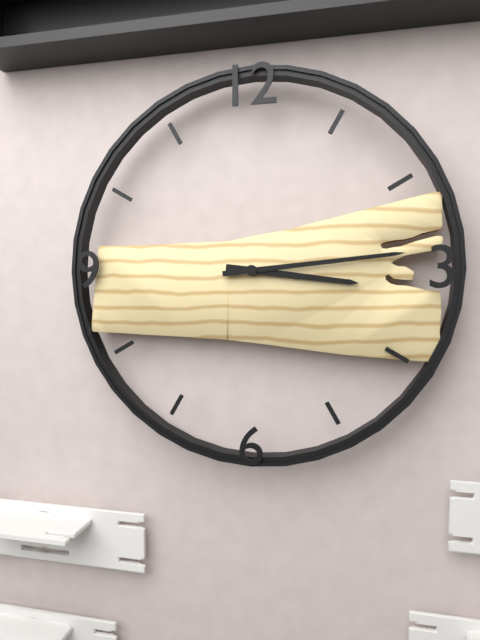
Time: **3:14**
